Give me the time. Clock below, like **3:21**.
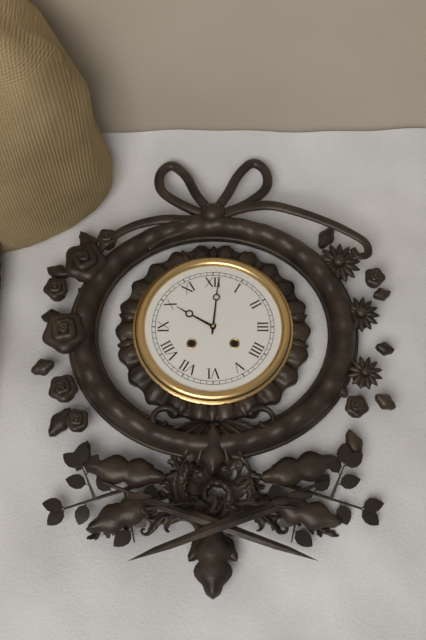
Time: **10:01**
